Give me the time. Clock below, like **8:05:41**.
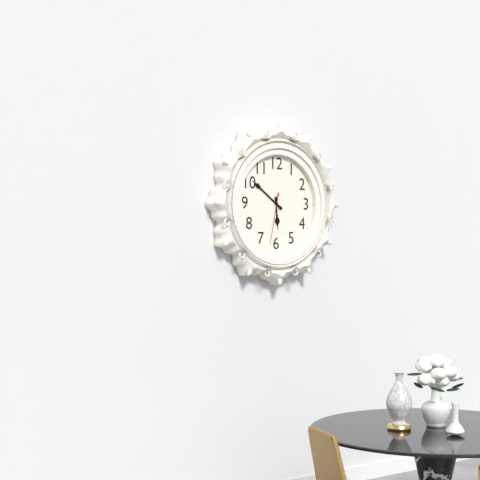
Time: **5:51:32**
